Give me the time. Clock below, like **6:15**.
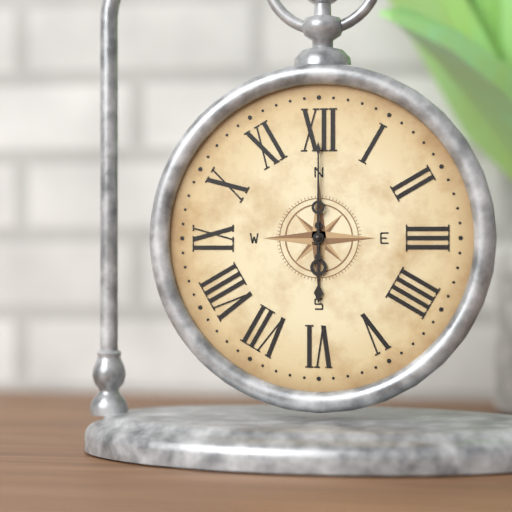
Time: **6:00**
